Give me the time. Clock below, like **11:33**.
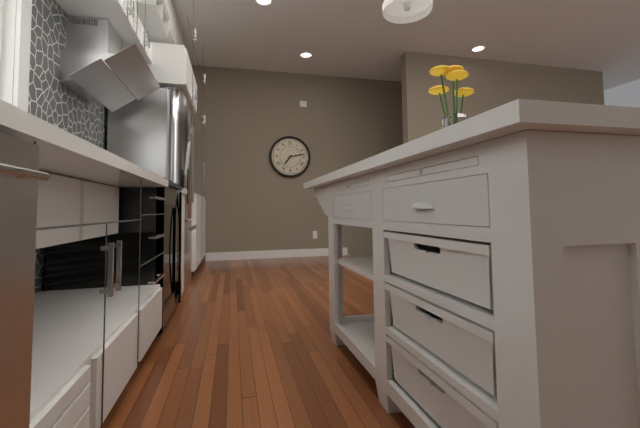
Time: **7:13**
